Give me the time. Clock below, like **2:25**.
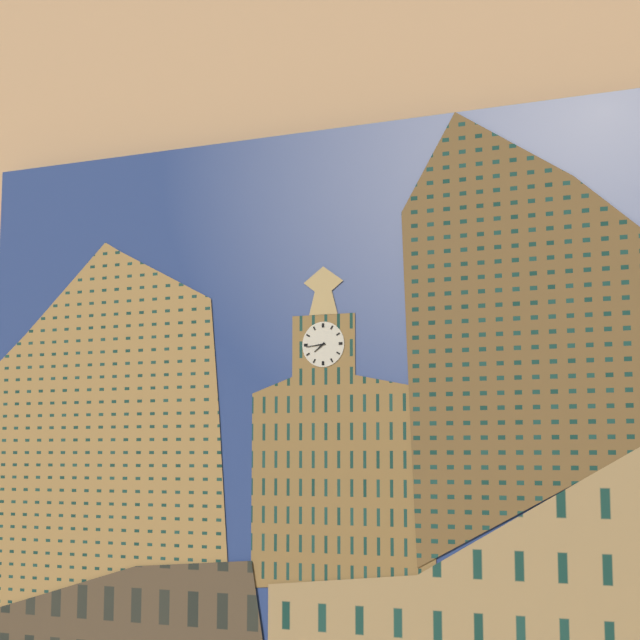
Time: **7:44**
